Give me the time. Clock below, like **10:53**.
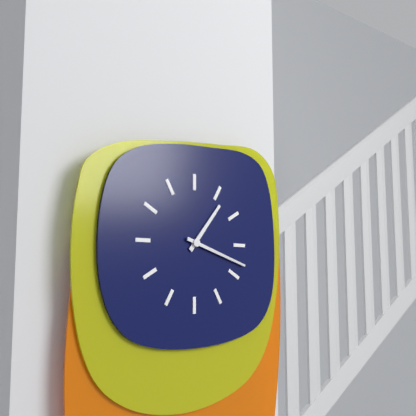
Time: **1:18**
